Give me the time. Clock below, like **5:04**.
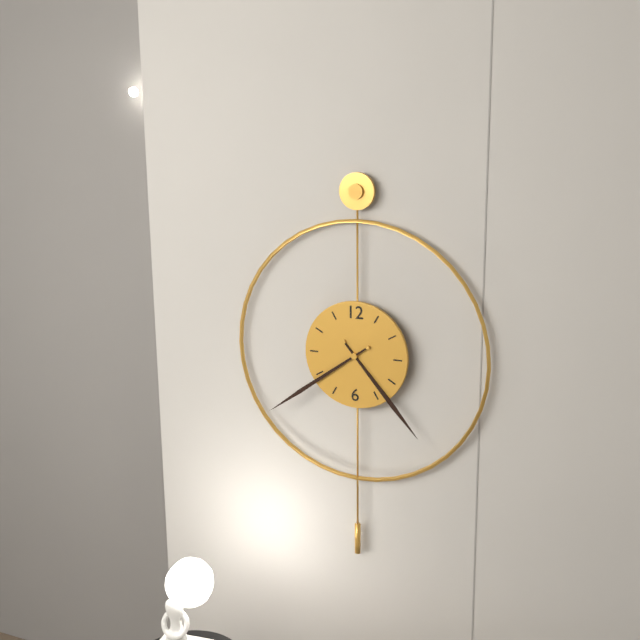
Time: **4:39**
